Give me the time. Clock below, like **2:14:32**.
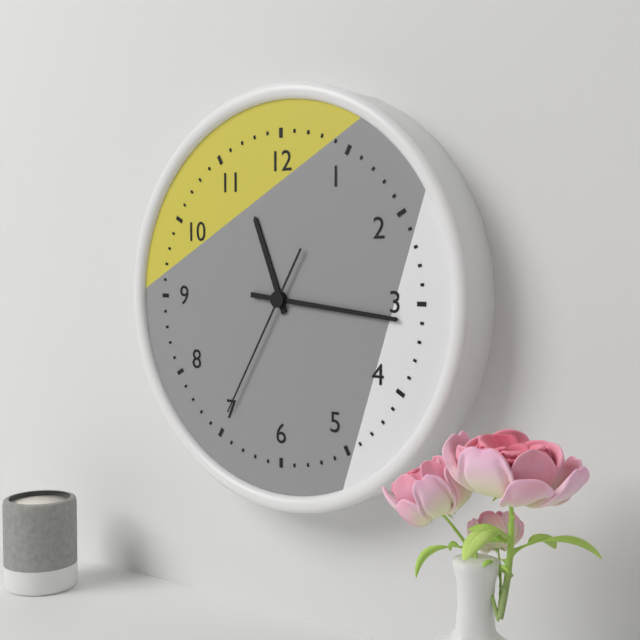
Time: **11:16:35**
